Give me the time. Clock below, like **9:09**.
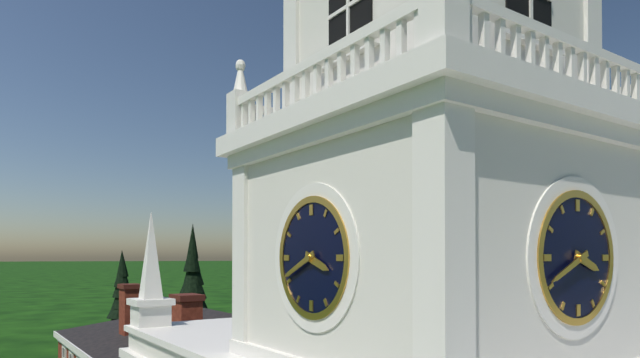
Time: **3:41**
